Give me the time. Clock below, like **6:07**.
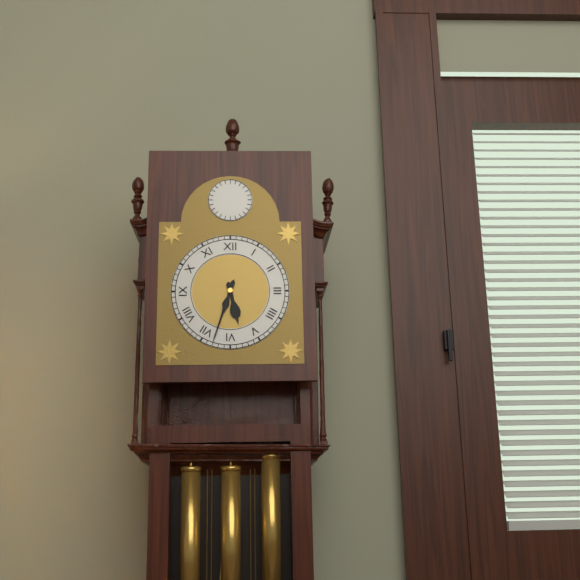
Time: **5:33**
